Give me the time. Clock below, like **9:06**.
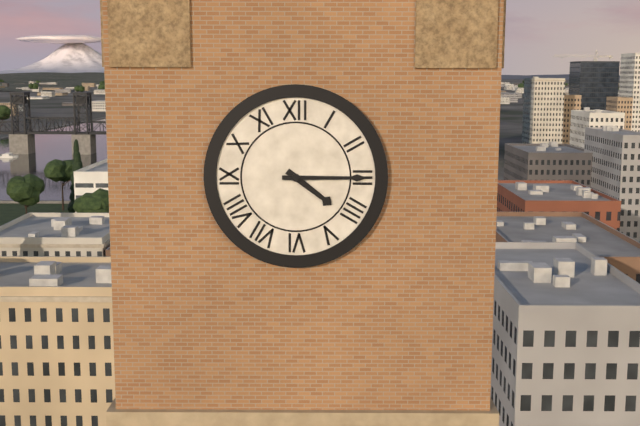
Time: **4:15**
